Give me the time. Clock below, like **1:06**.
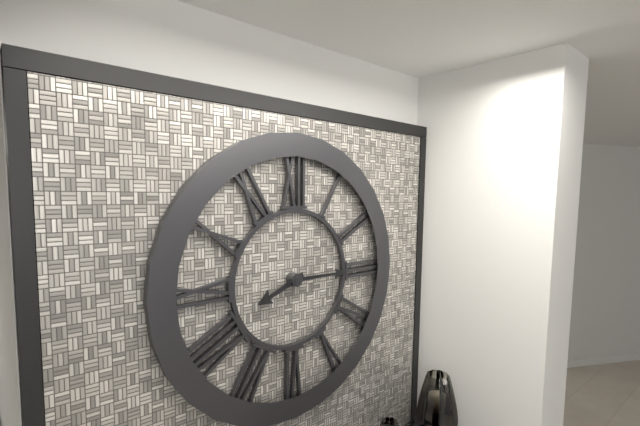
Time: **8:15**
